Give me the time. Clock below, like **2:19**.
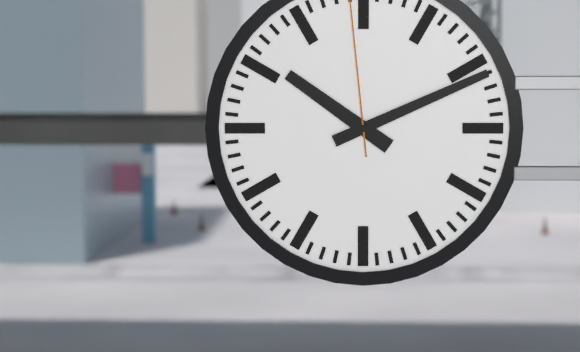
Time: **10:11**
